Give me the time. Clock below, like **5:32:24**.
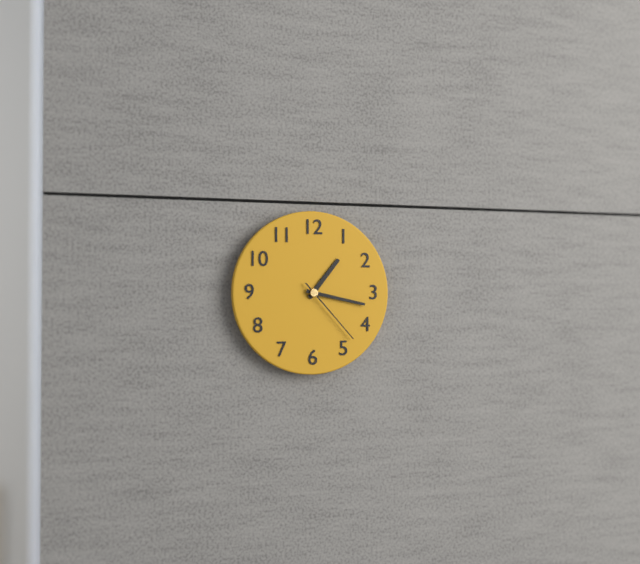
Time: **1:17:23**
